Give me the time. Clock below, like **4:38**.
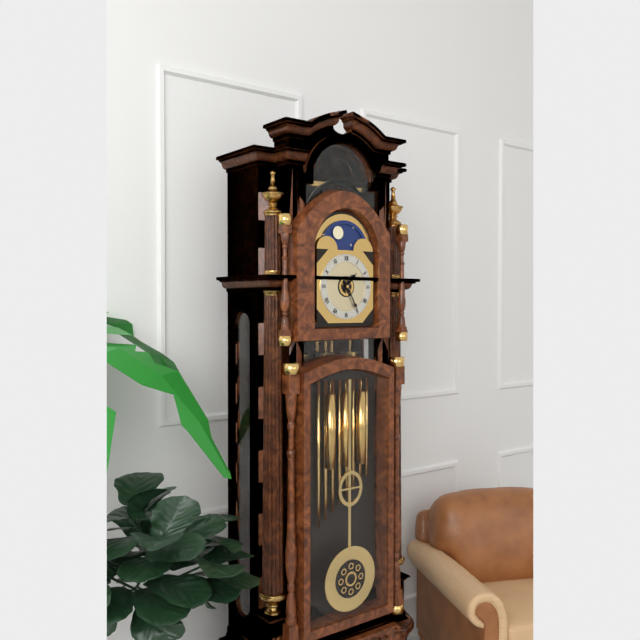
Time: **1:25**
